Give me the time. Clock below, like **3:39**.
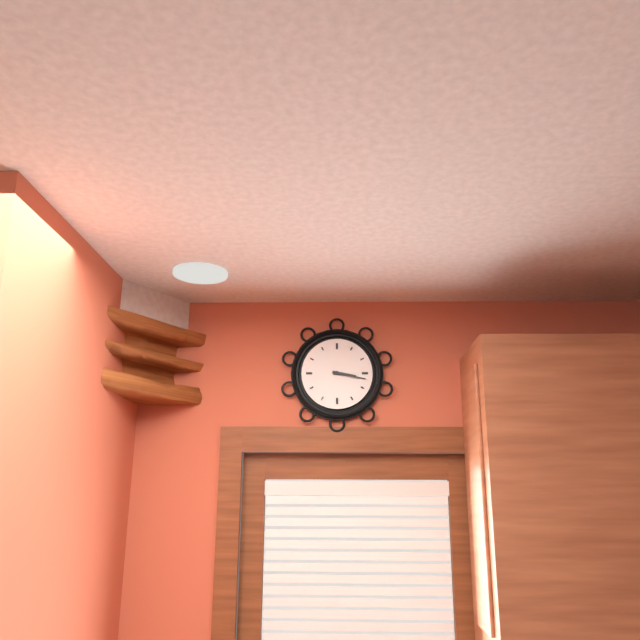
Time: **3:17**
